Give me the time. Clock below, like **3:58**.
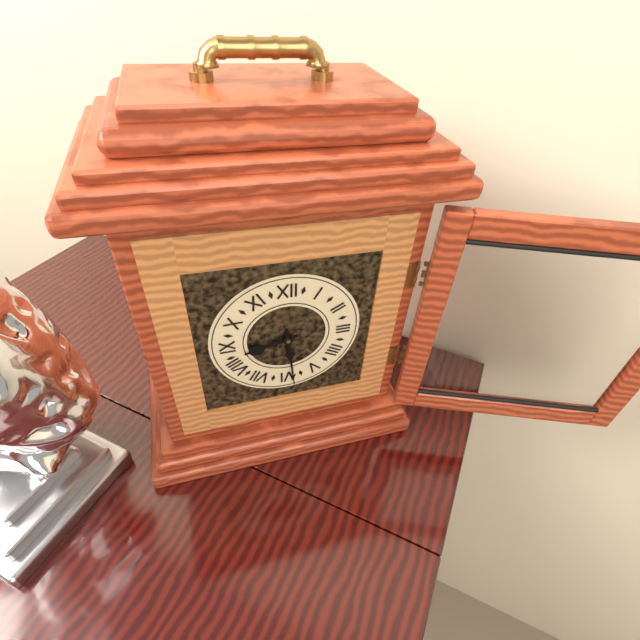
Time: **8:29**
